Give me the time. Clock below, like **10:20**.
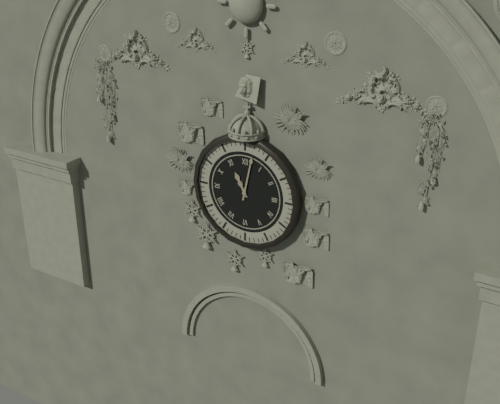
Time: **11:02**
